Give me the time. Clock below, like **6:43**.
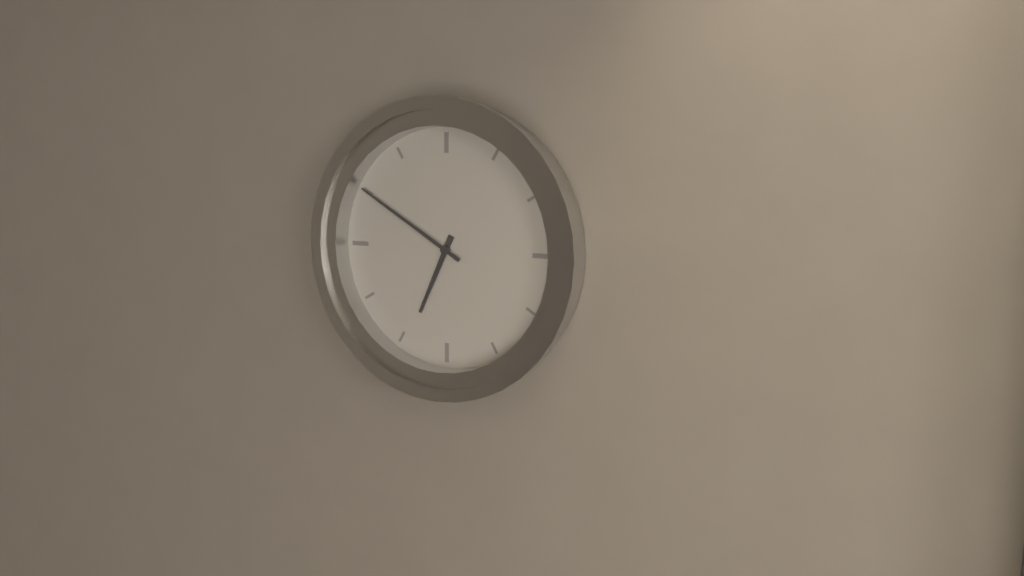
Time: **6:50**
